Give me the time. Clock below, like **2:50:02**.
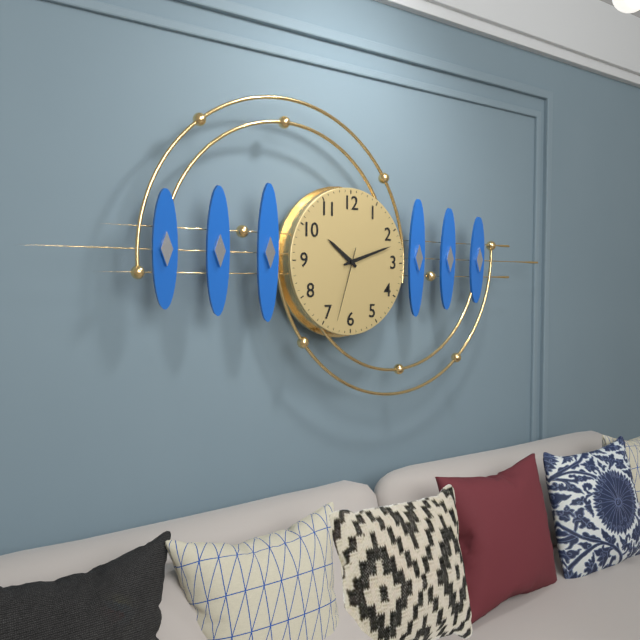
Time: **10:12:33**
